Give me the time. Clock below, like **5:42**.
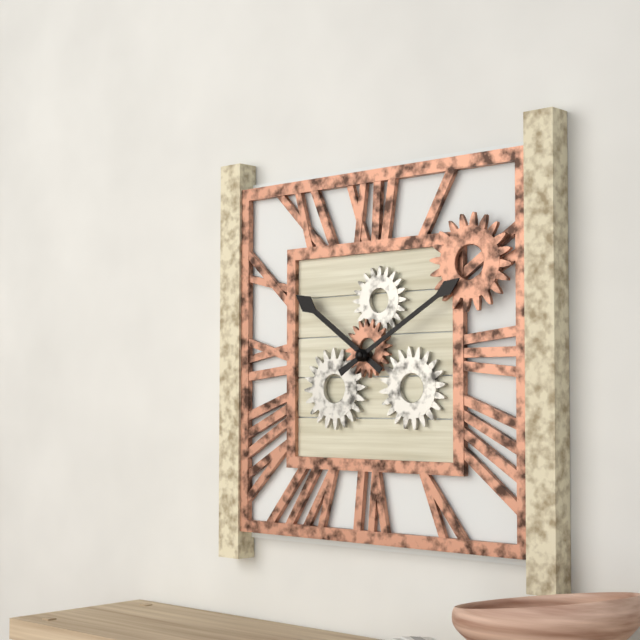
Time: **10:10**
